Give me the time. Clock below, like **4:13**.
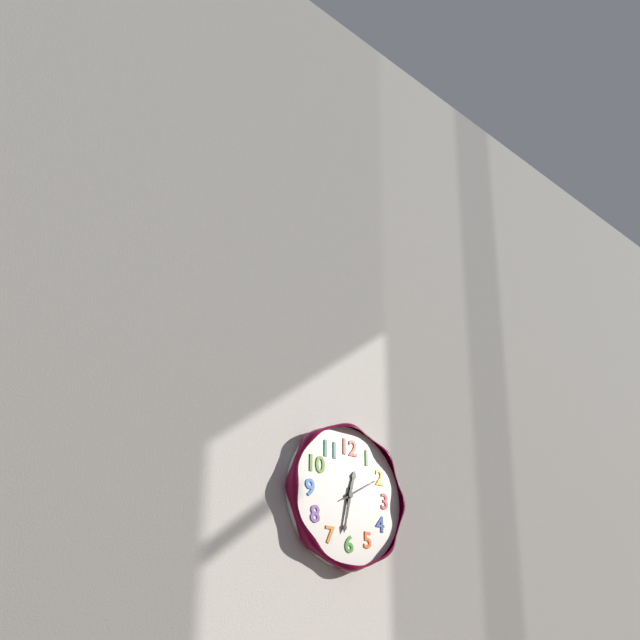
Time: **12:32**
